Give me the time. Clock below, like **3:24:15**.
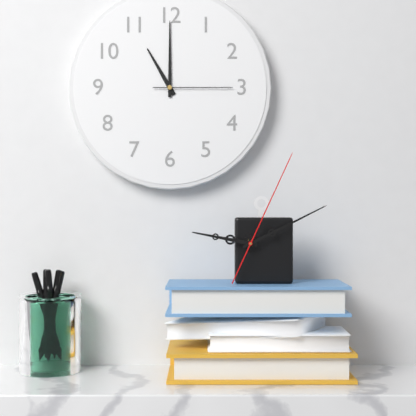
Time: **11:00:15**
